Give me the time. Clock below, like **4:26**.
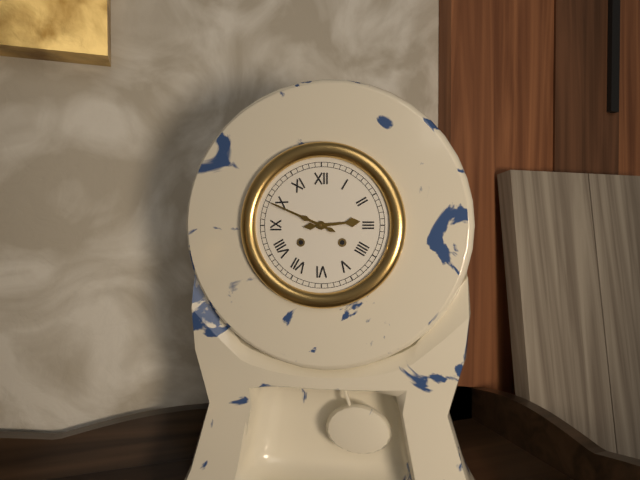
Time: **2:49**
